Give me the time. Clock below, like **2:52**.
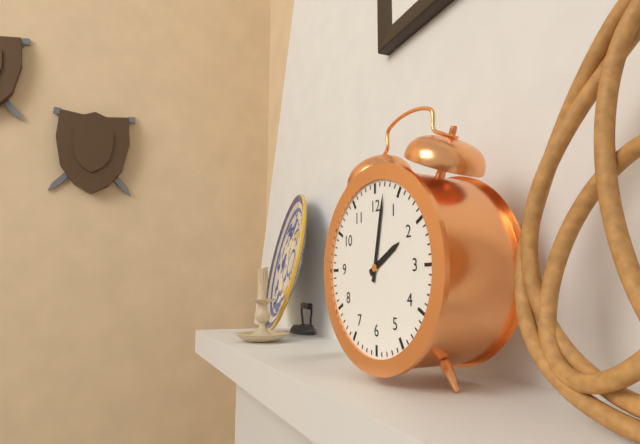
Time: **2:02**
